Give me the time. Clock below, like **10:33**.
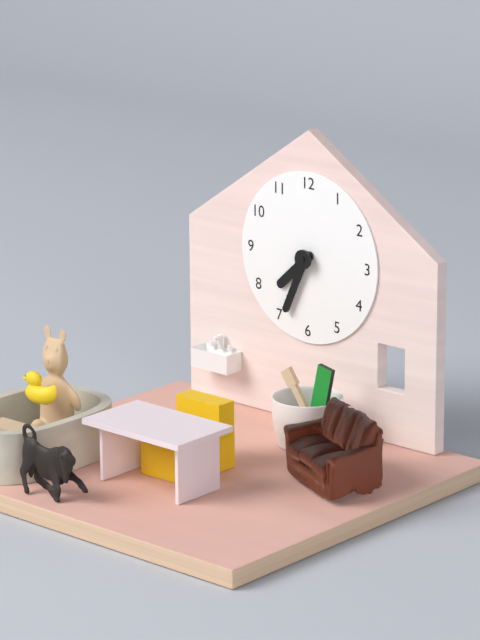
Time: **7:34**
